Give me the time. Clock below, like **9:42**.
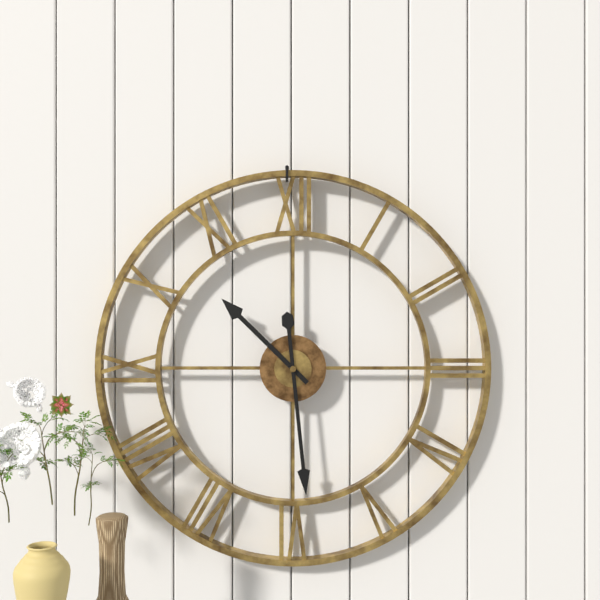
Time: **10:29**
